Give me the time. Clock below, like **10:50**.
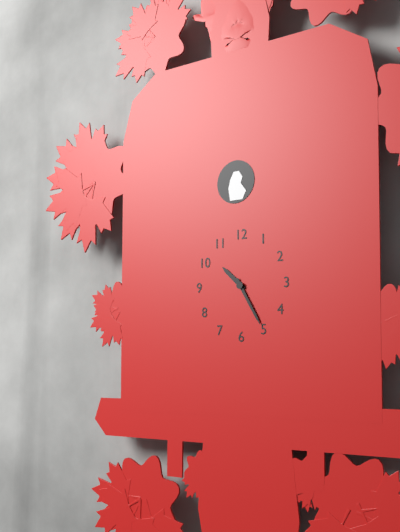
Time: **10:25**
